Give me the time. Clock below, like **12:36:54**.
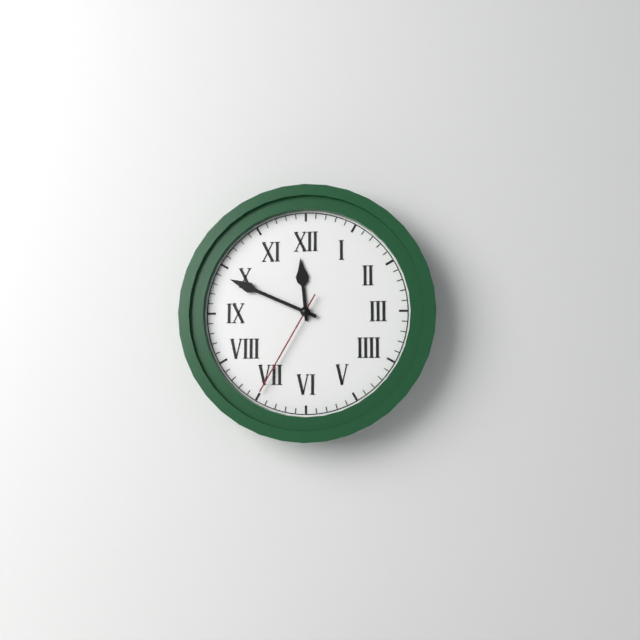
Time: **11:49:35**
